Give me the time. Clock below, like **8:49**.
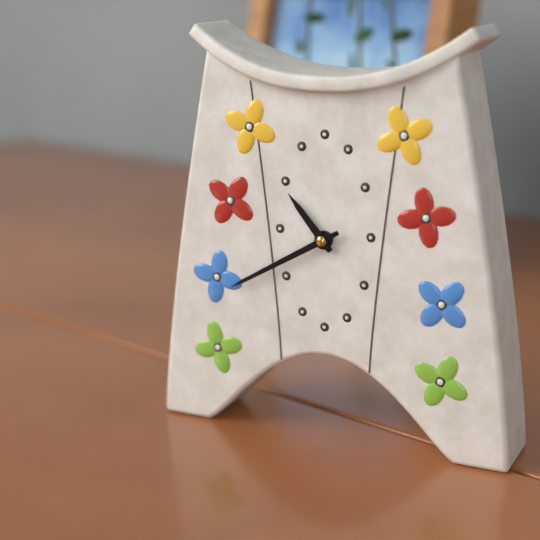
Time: **10:40**
